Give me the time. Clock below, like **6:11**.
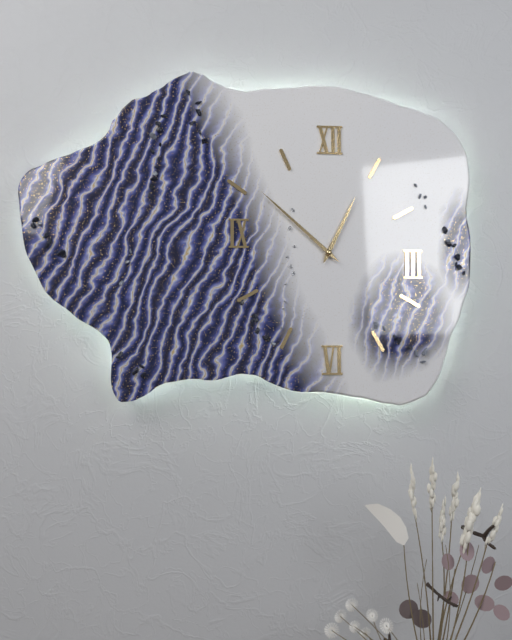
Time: **12:52**
